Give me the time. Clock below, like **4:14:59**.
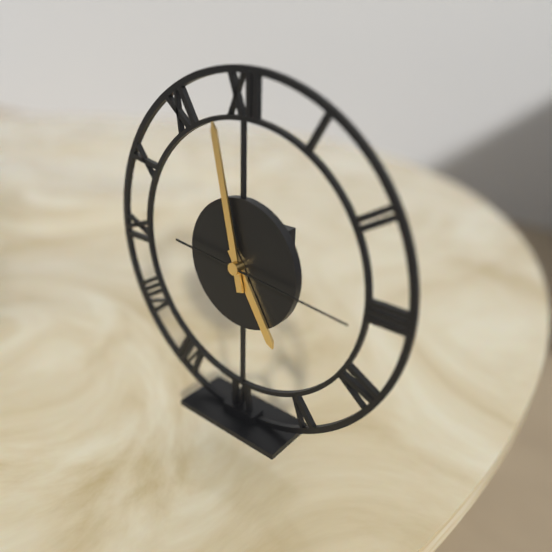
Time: **4:58:16**
